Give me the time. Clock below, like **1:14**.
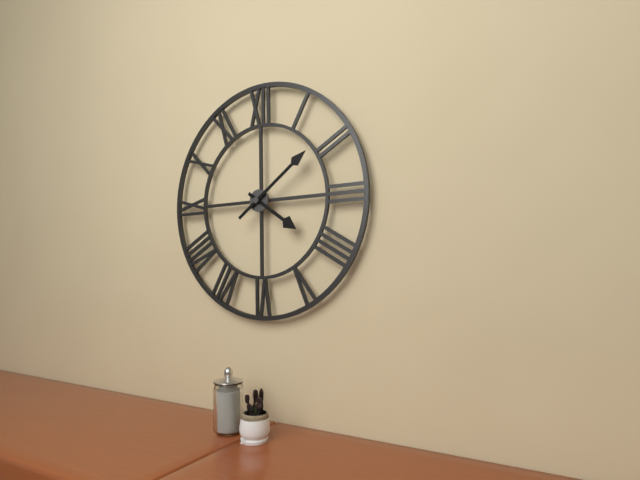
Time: **4:09**
